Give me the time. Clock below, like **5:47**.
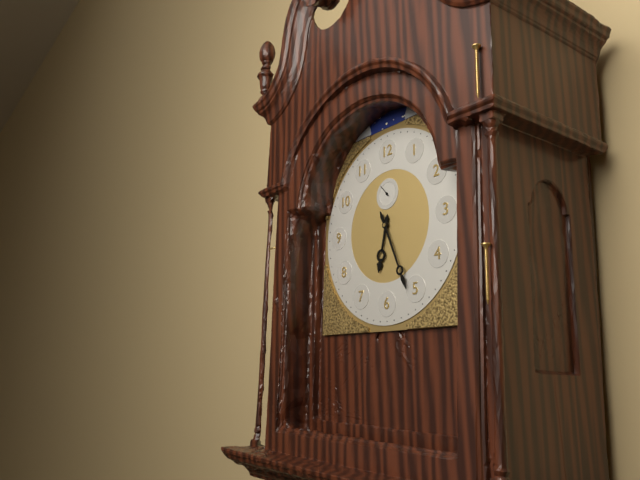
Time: **6:26**
